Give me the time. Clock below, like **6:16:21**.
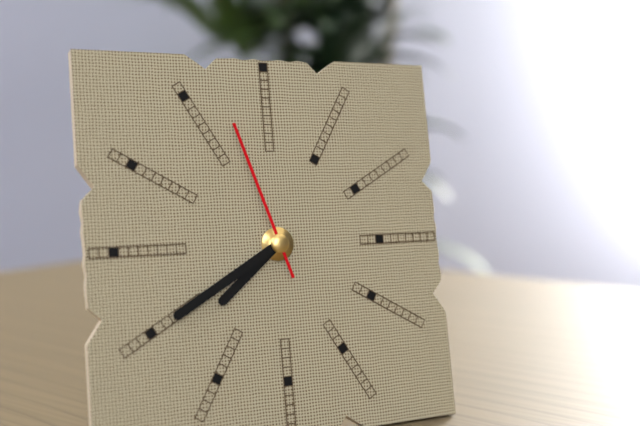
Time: **7:40:57**
